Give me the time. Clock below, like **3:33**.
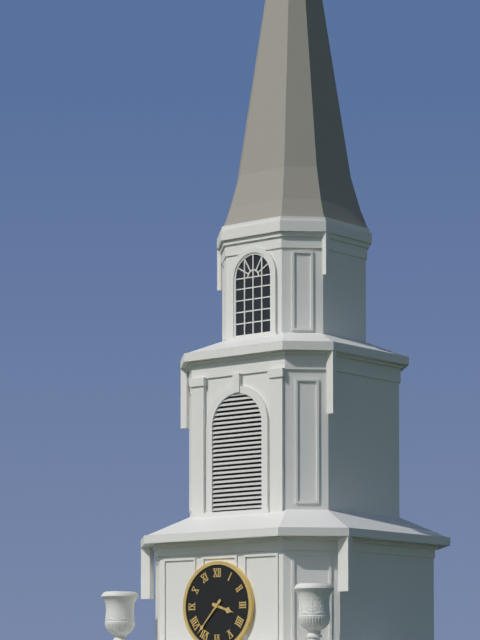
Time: **3:37**
